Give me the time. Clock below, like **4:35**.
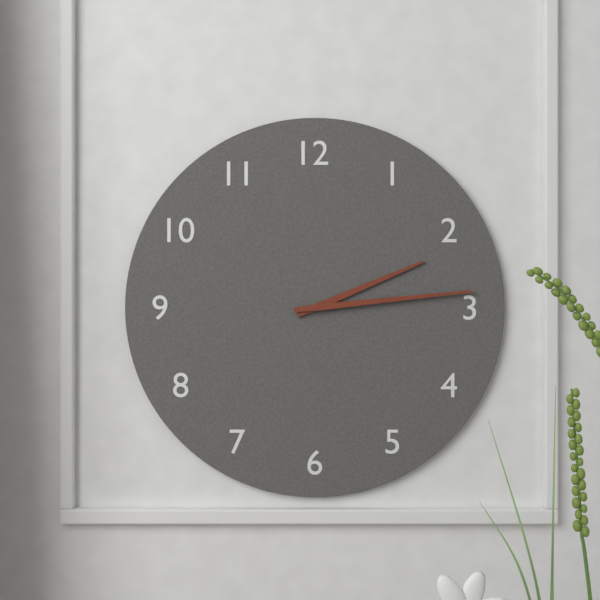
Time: **2:14**
